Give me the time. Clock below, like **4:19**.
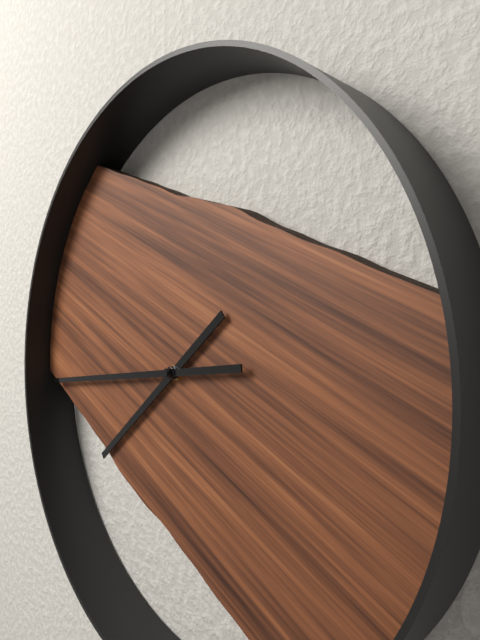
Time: **7:44**
